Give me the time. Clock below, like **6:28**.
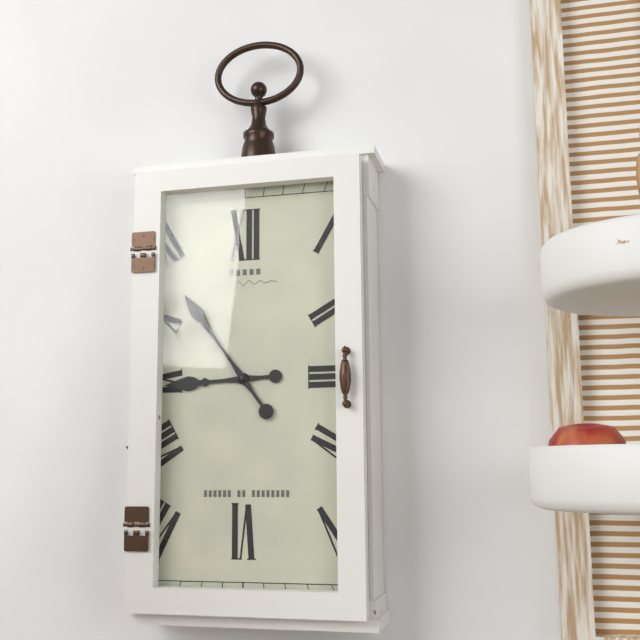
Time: **8:54**
